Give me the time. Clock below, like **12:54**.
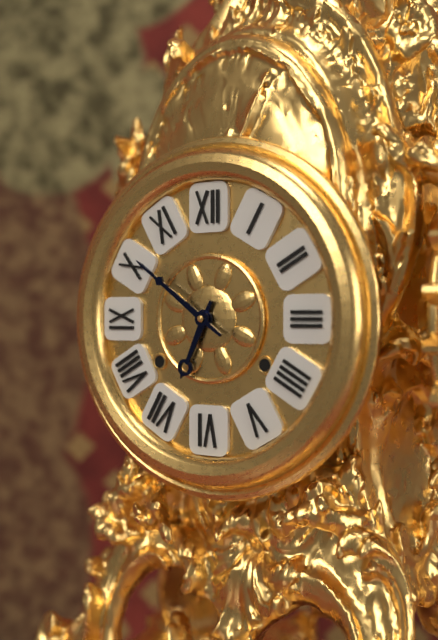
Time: **6:51**
